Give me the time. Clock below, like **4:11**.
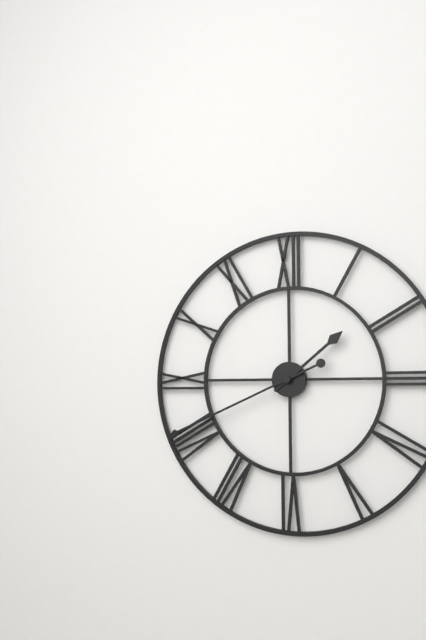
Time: **1:41**
